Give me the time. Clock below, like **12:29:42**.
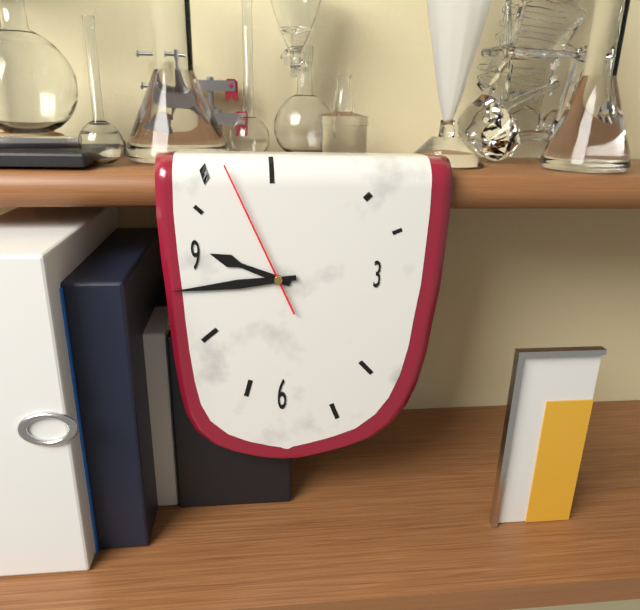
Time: **9:44:56**
